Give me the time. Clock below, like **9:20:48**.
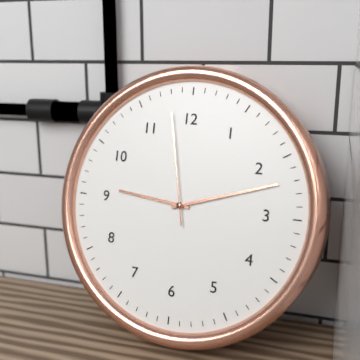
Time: **9:12:58**
